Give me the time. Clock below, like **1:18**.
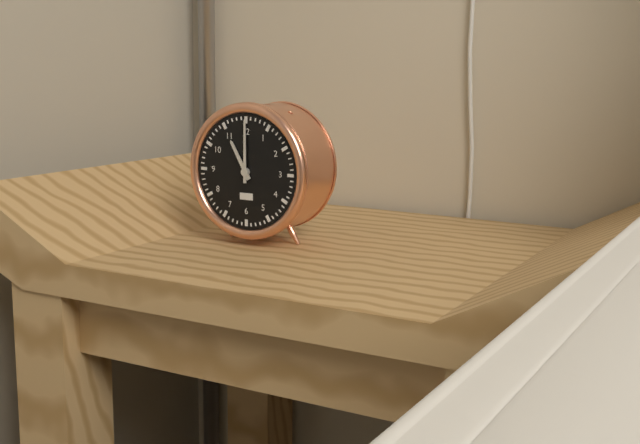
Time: **11:00**
